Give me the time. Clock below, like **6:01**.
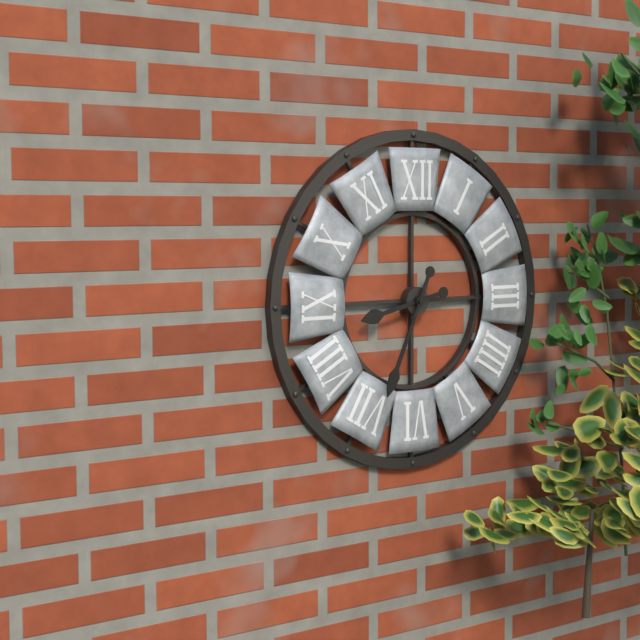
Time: **8:34**
